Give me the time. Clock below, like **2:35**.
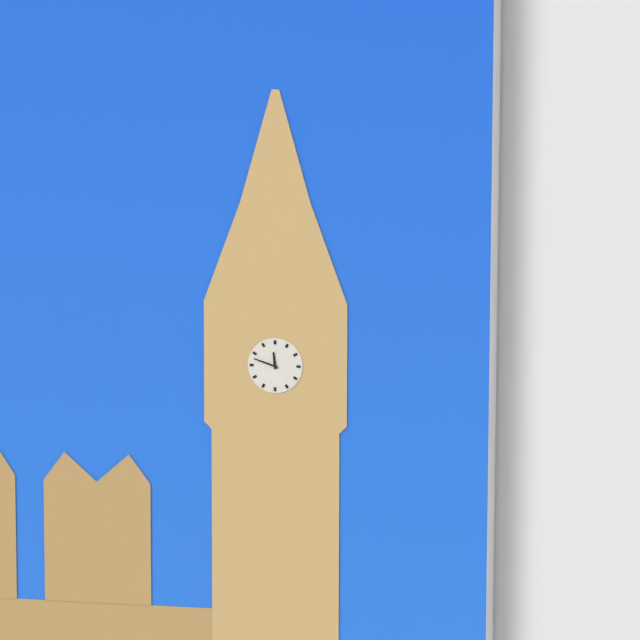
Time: **11:48**
